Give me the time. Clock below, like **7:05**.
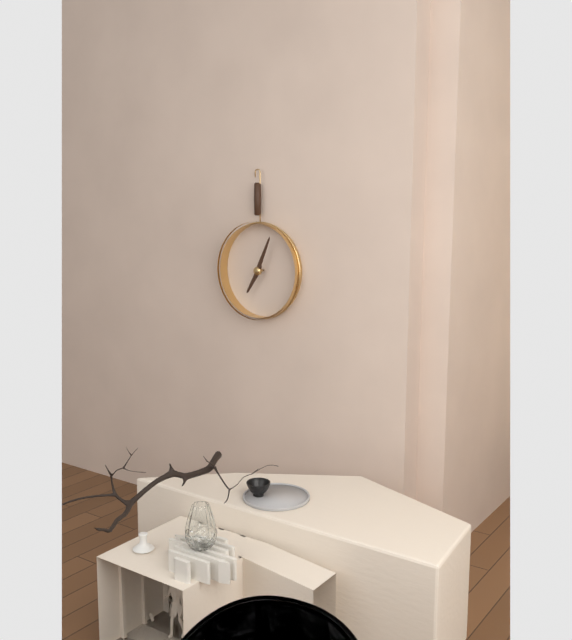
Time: **7:04**
